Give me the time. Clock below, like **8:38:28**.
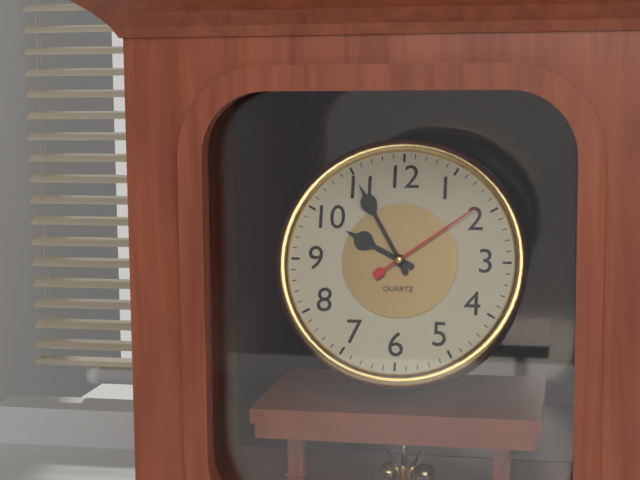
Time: **9:55:09**
